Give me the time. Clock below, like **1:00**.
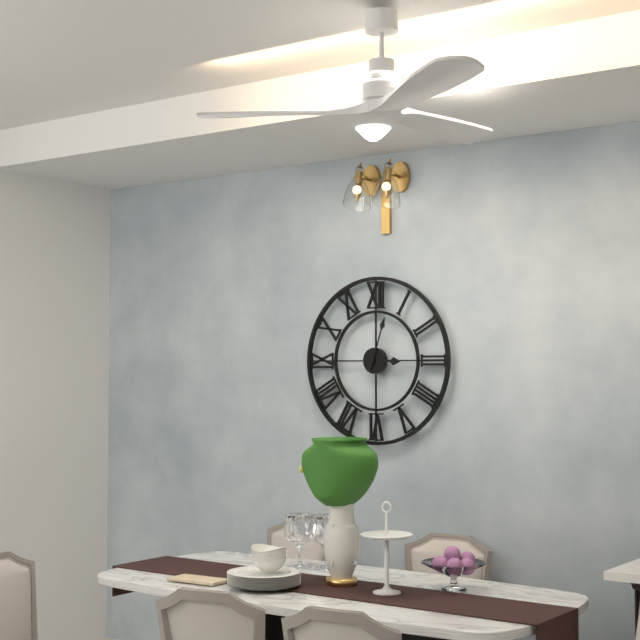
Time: **3:03**
